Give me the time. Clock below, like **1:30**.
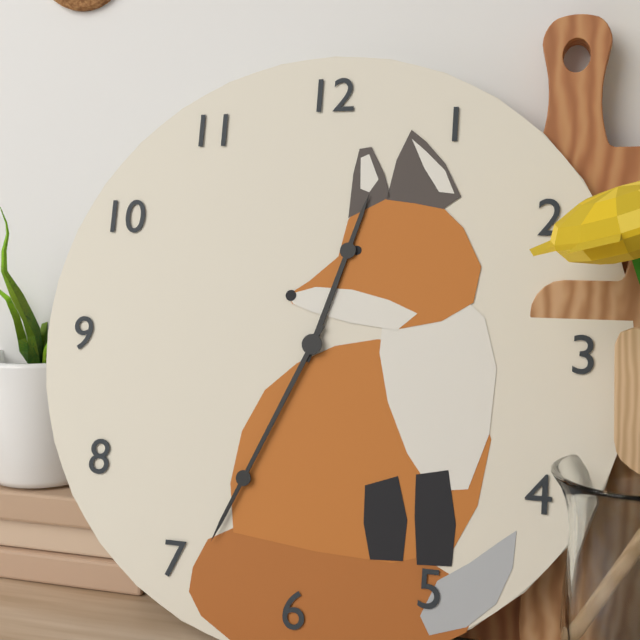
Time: **12:34**
